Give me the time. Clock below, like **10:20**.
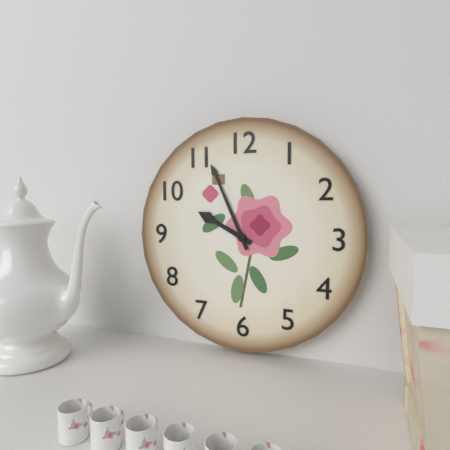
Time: **9:56**
